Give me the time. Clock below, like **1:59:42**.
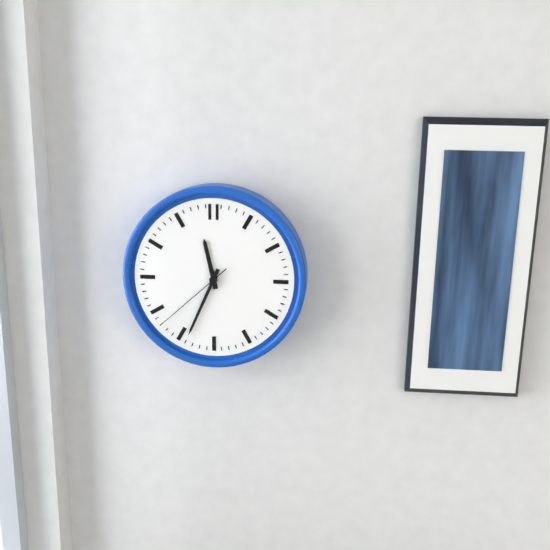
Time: **11:34:38**
